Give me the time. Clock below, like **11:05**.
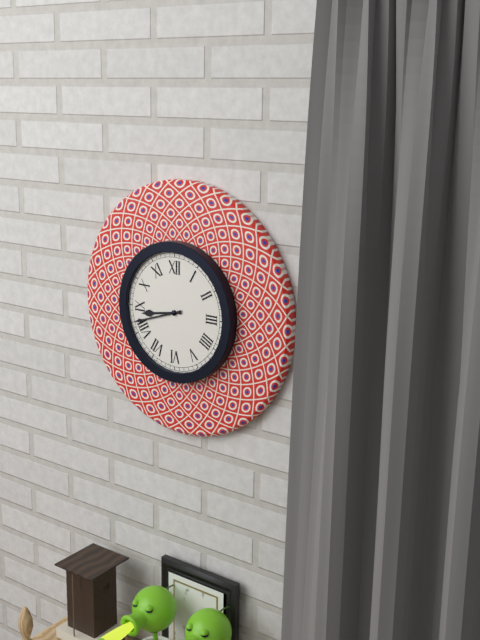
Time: **8:42**
